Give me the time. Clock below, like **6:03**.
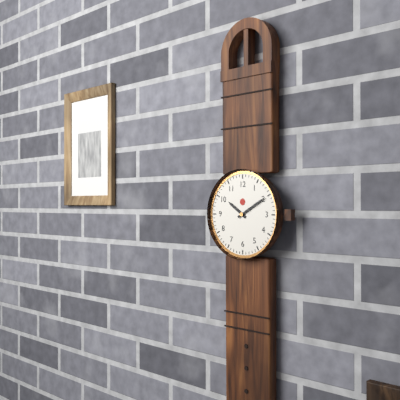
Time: **10:10**
